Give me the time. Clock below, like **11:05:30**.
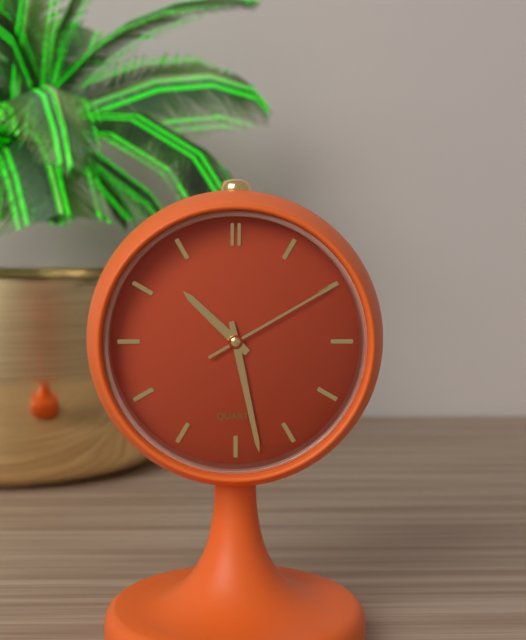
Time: **10:28:10**
